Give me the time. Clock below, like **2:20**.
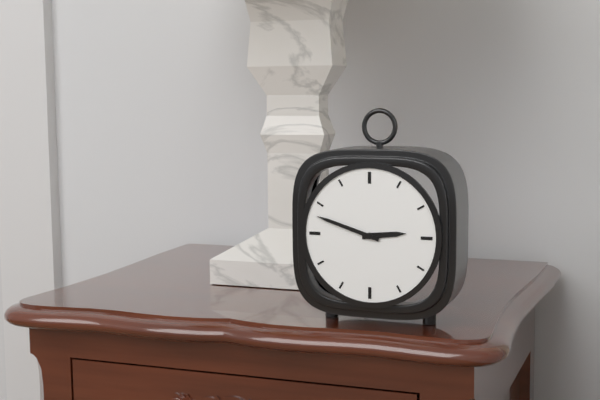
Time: **2:48**
